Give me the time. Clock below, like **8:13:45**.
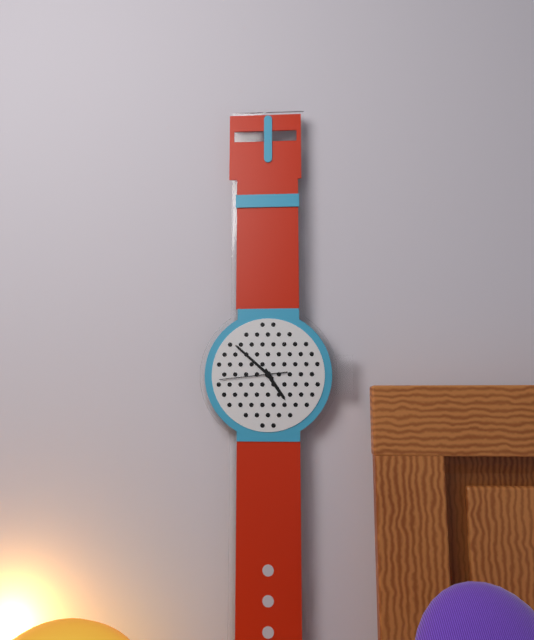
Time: **4:52:44**
